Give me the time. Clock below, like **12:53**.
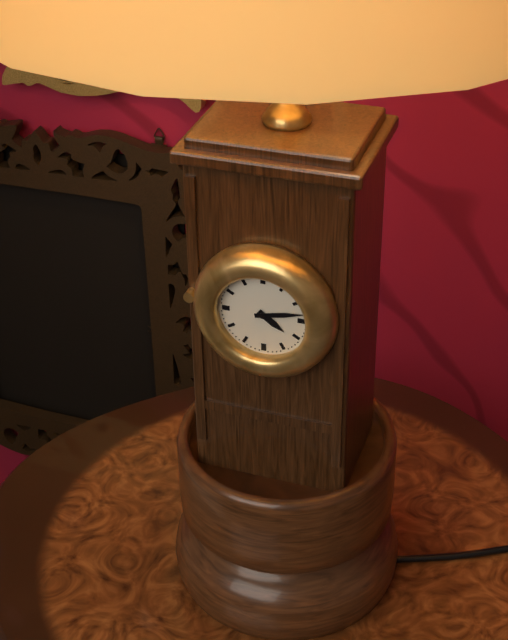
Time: **4:13**
